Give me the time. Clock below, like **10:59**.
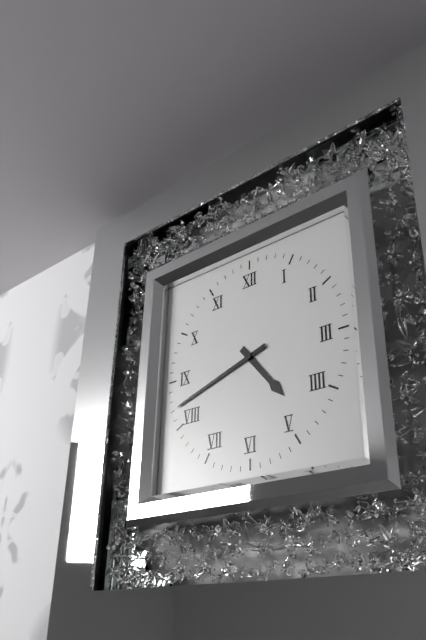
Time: **4:42**
